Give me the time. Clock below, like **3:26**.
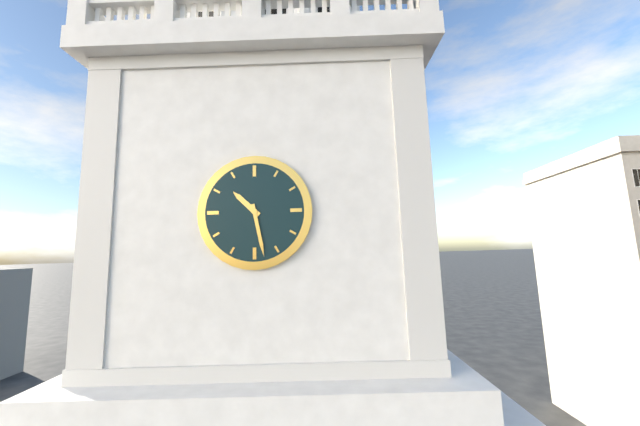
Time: **10:28**
